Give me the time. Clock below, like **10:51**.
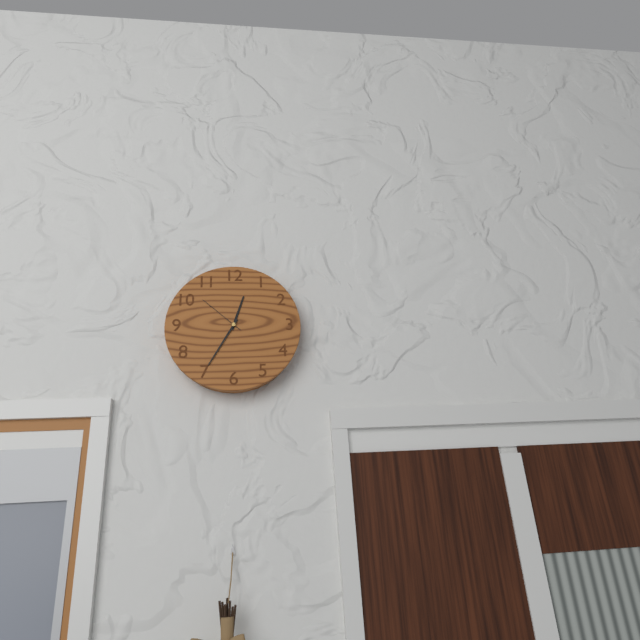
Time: **12:35**
